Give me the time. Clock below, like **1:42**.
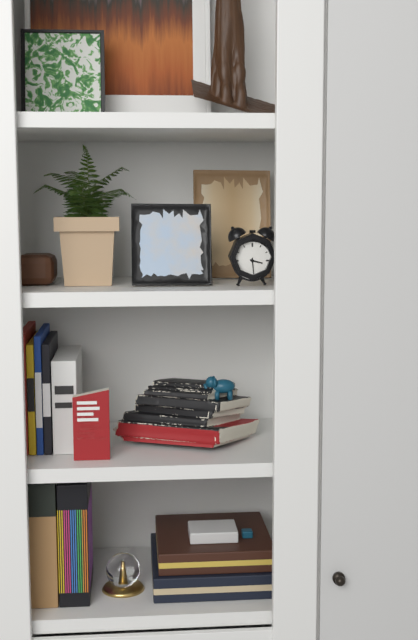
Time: **3:29**
